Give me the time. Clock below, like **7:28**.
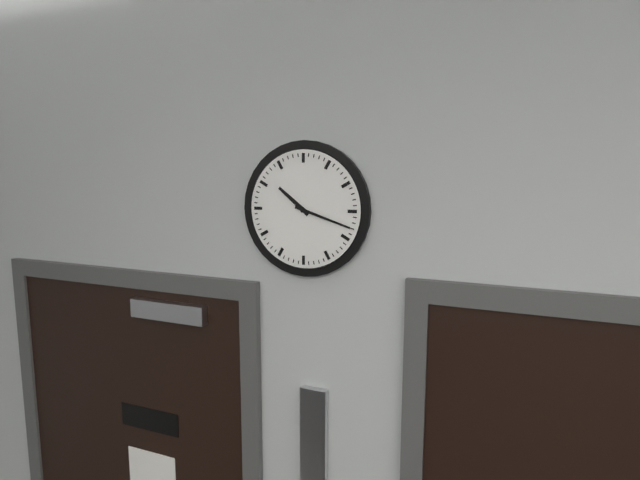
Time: **10:18**
